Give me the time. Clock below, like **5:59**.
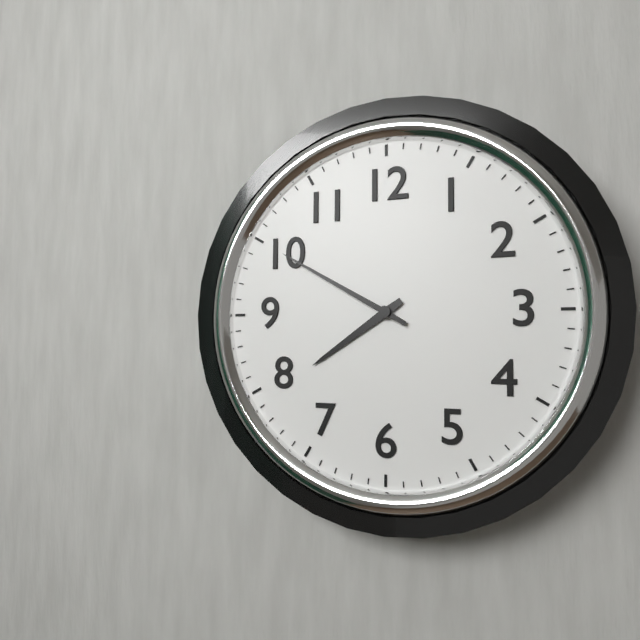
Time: **7:50**
